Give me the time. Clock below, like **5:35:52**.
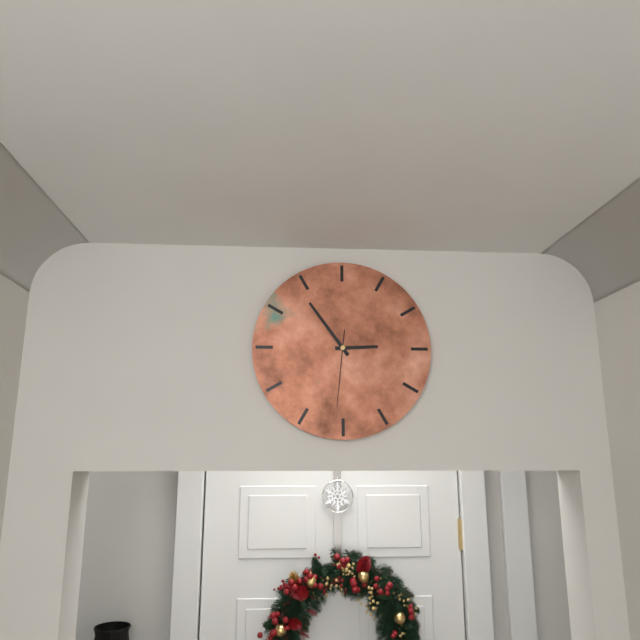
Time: **2:54:31**
